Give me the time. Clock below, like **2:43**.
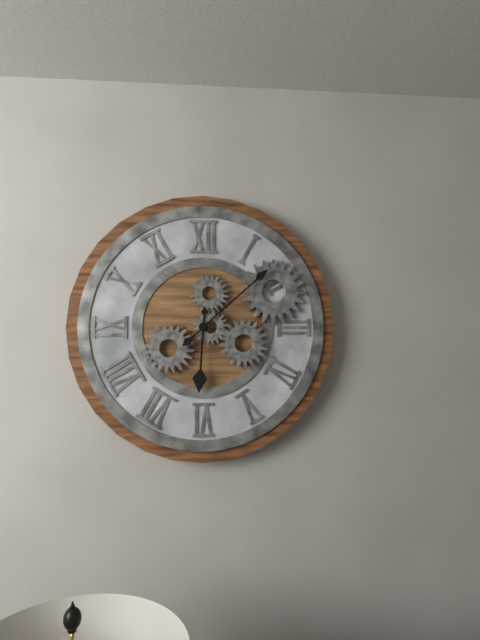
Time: **6:08**
